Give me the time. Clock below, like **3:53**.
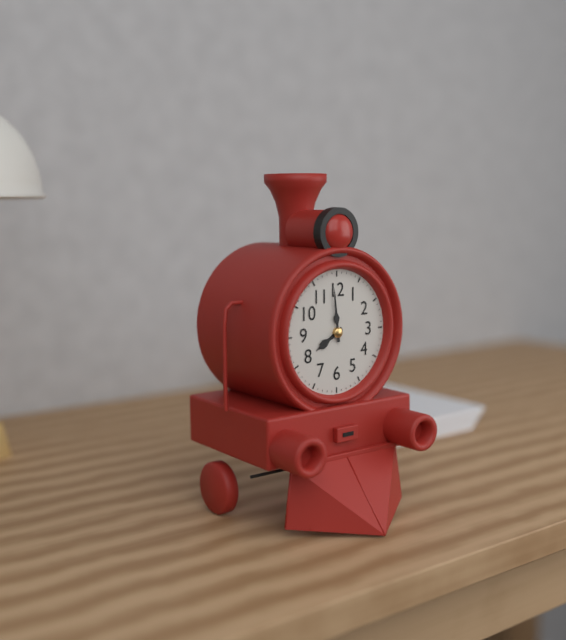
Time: **7:59**
